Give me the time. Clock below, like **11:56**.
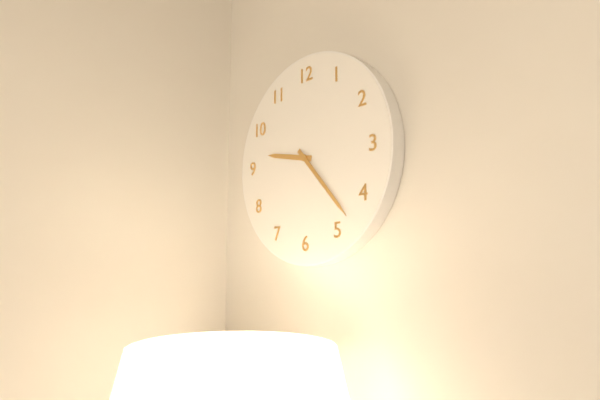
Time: **9:23**
